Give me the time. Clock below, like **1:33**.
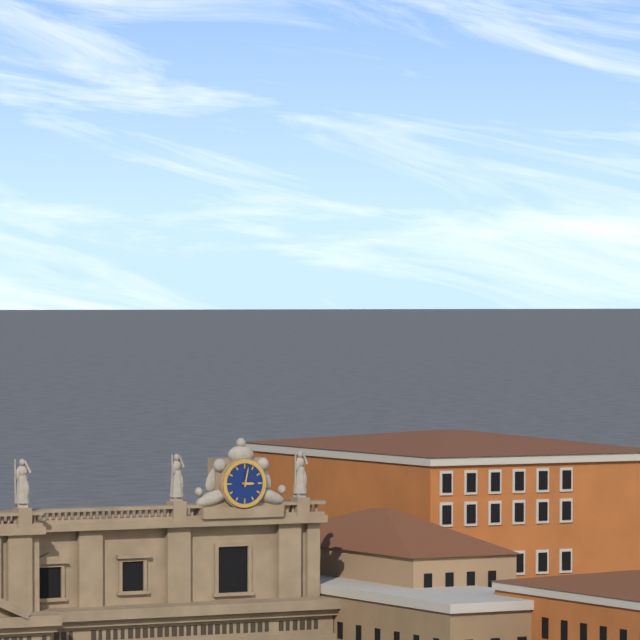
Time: **3:02**
